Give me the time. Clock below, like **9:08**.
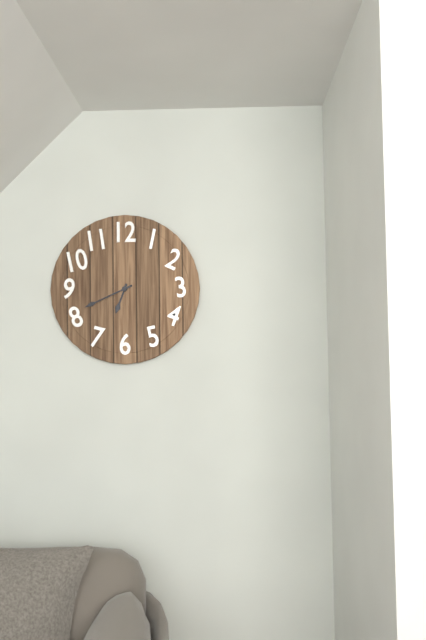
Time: **6:41**
